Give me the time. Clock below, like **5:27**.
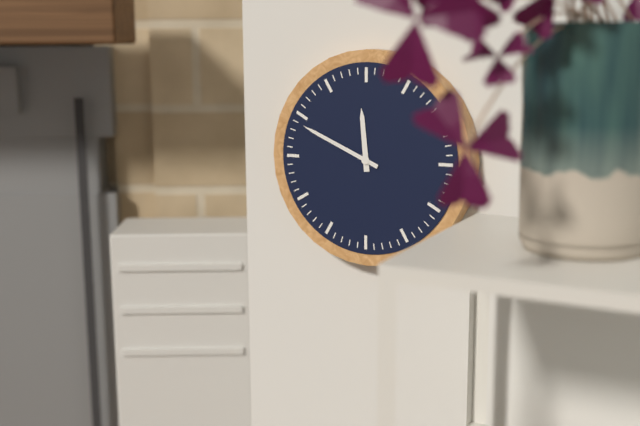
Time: **11:49**
